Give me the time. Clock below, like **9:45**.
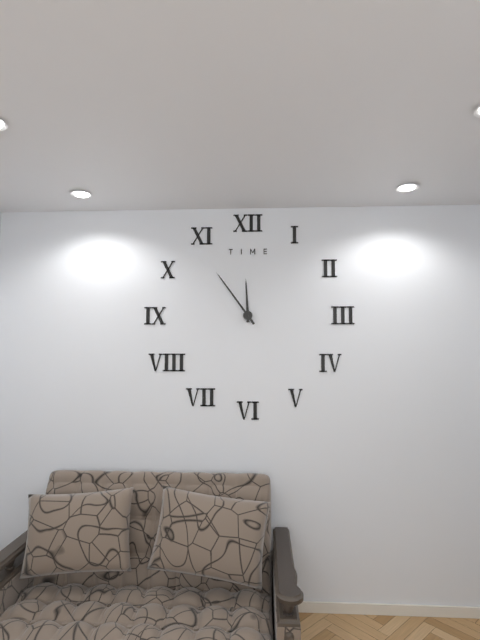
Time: **11:54**
